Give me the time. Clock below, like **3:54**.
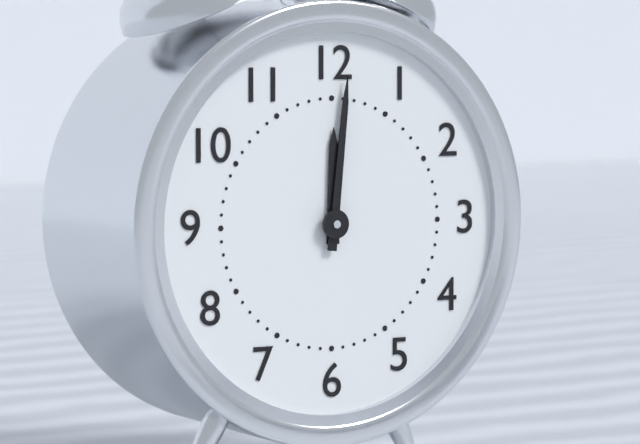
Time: **12:01**
